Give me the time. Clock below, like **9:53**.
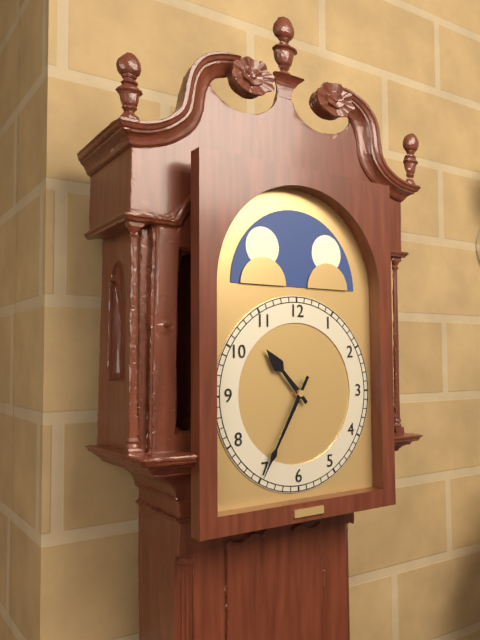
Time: **10:35**
